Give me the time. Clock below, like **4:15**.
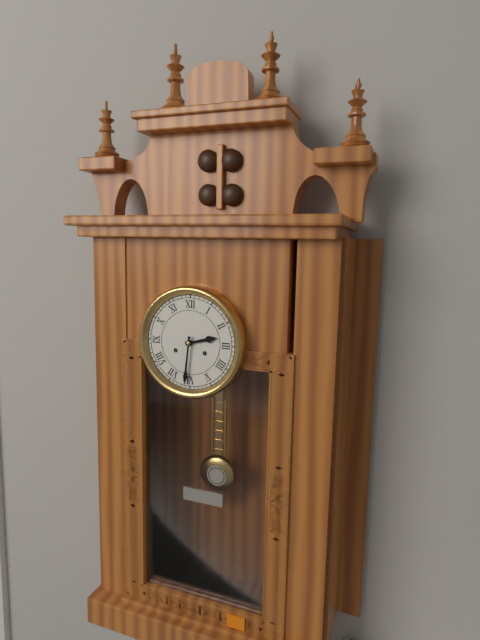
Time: **2:31**
